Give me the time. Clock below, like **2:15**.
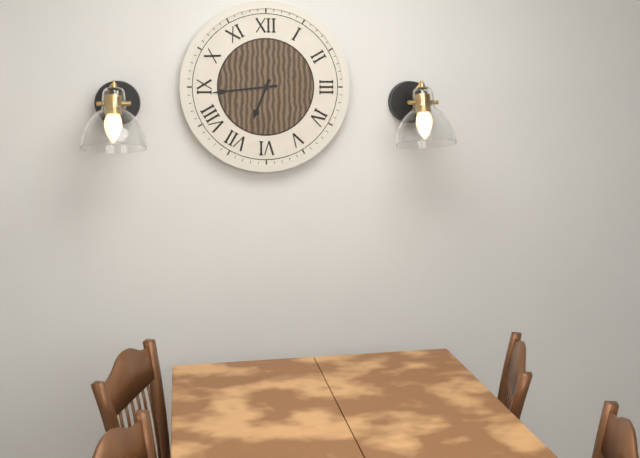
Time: **6:44**
